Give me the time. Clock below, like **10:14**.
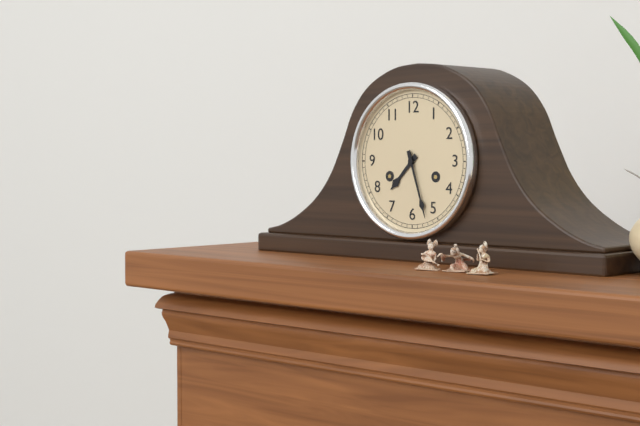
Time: **7:27**
